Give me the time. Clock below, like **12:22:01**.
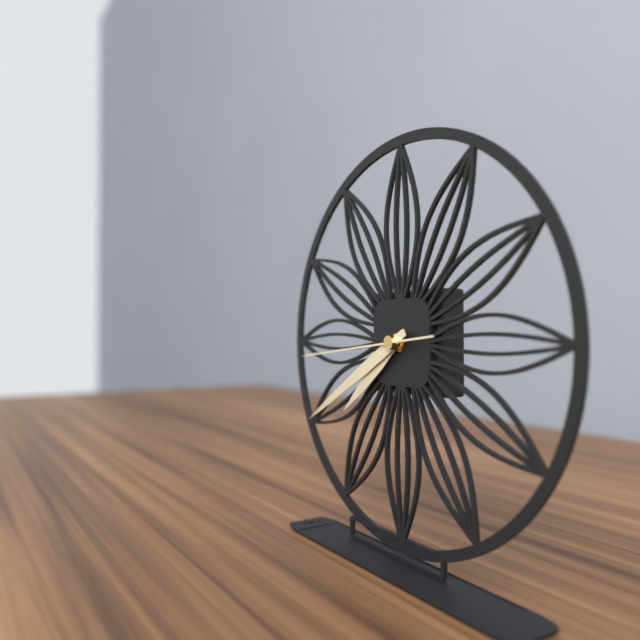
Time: **7:40:44**
